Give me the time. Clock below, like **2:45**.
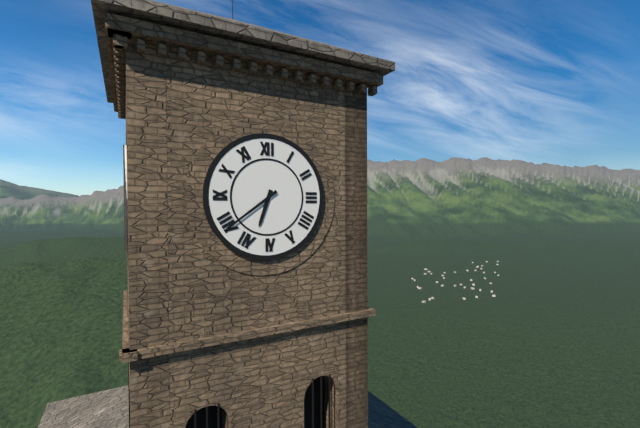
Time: **6:39**
